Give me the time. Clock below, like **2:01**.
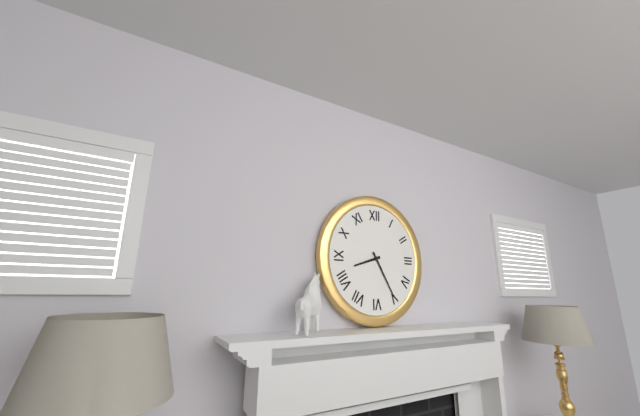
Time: **8:25**
